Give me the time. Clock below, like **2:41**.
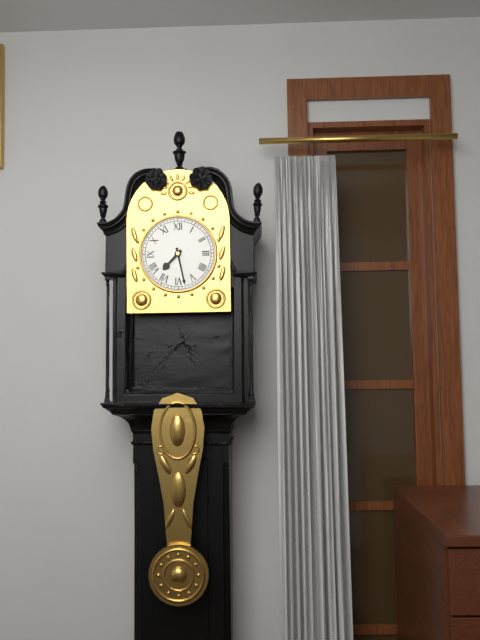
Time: **7:28**
